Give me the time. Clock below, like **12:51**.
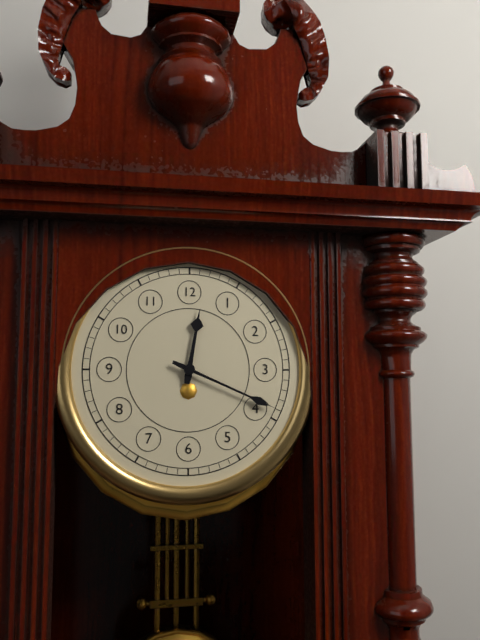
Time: **12:19**
